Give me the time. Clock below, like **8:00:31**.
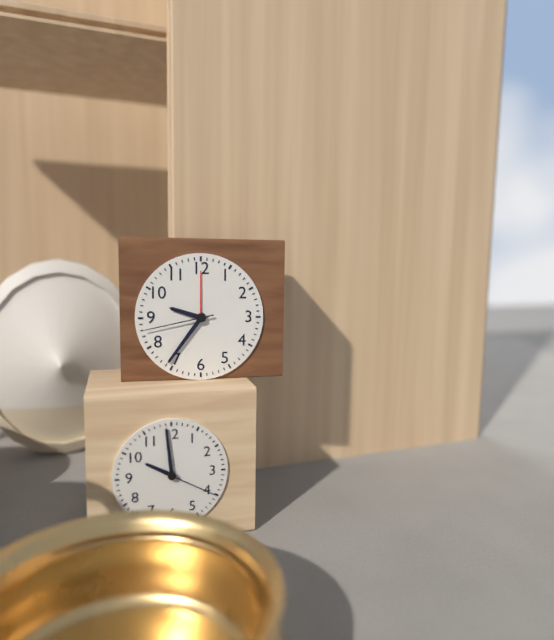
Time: **9:36:43**
